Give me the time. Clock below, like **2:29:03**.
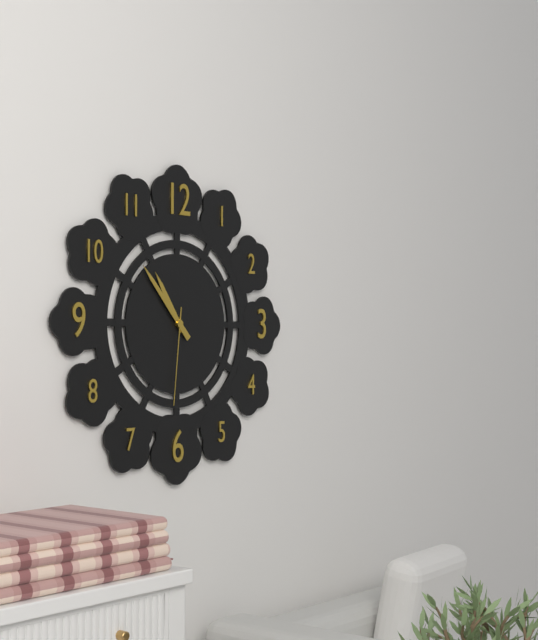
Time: **10:53:31**
